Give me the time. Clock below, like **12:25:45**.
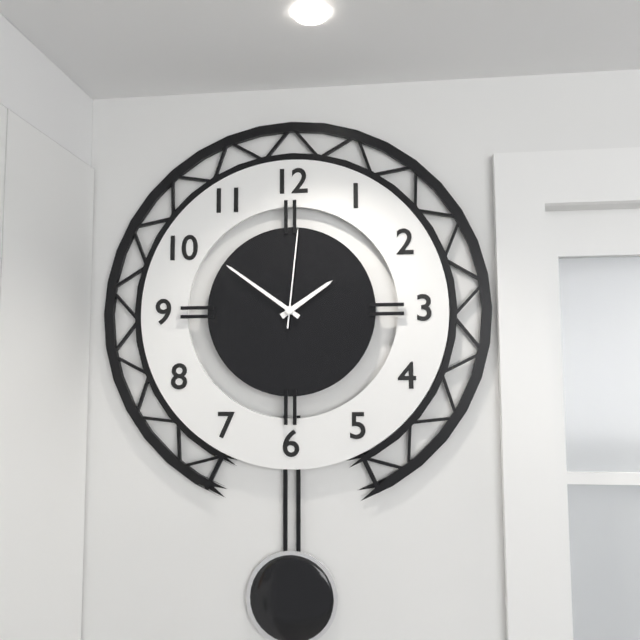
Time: **1:51:01**
